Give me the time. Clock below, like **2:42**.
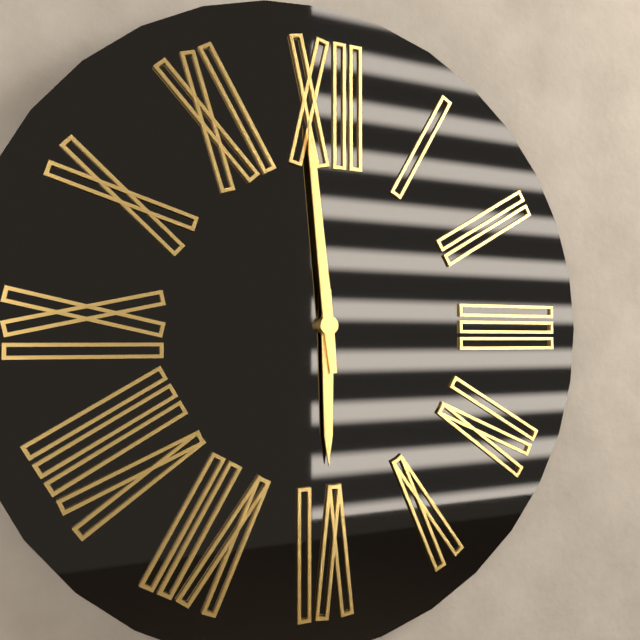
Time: **5:59**
